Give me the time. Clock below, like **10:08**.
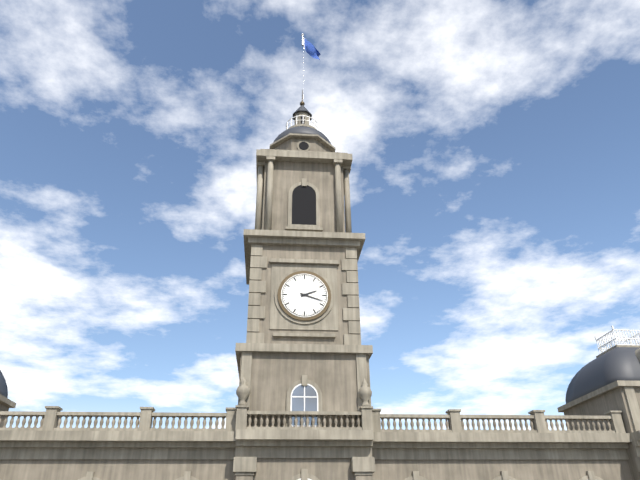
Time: **2:18**
